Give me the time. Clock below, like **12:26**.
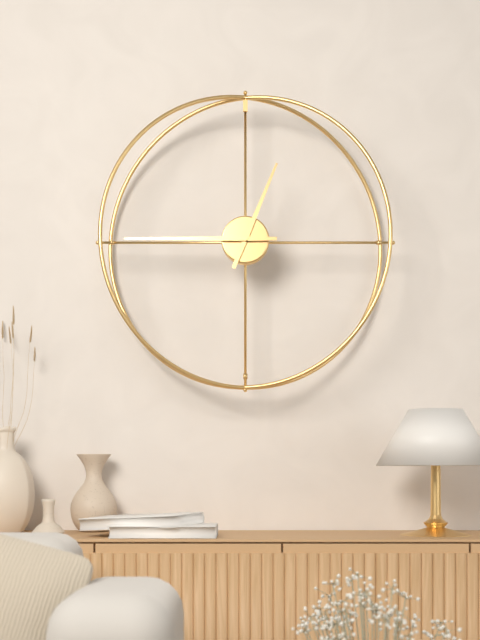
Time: **12:45**
